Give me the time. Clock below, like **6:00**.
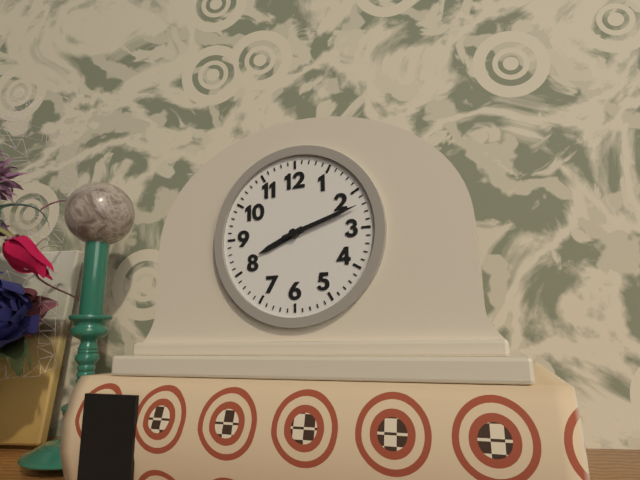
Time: **8:12**
